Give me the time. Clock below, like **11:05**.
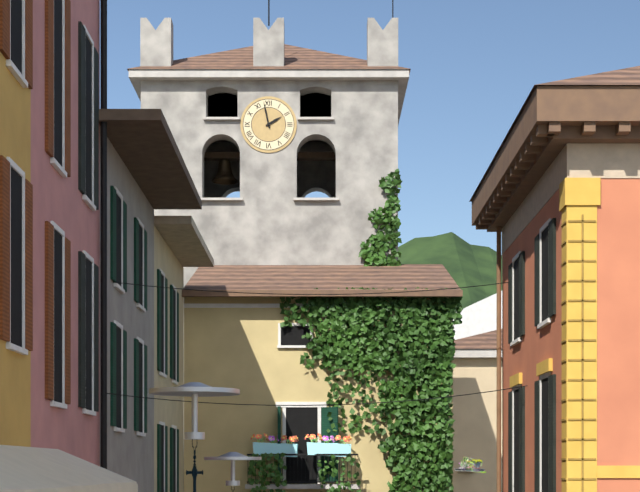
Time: **1:58**
